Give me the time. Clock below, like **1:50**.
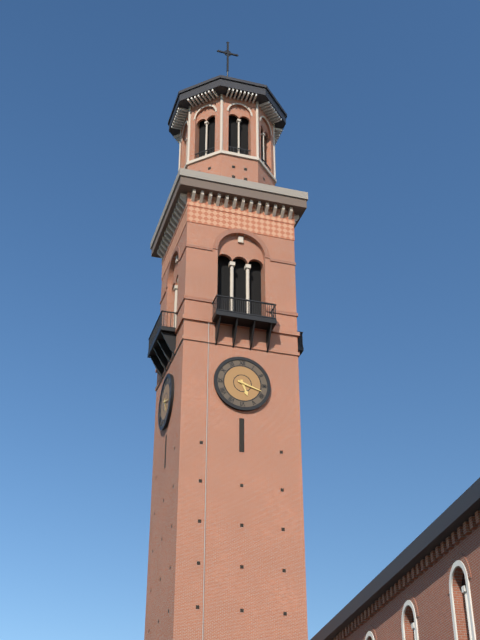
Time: **5:18**
